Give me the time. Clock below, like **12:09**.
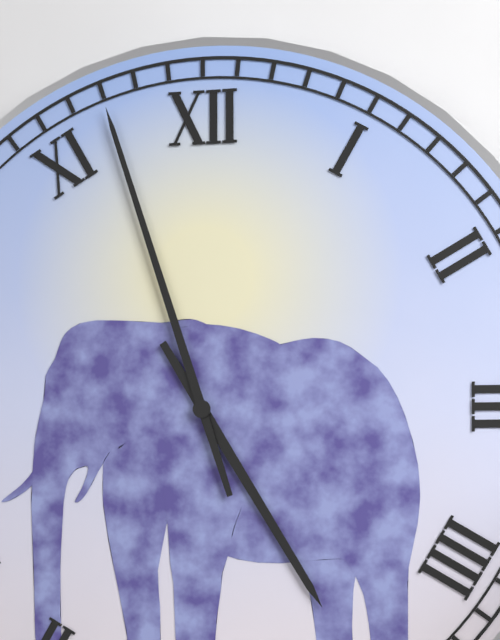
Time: **4:57**
